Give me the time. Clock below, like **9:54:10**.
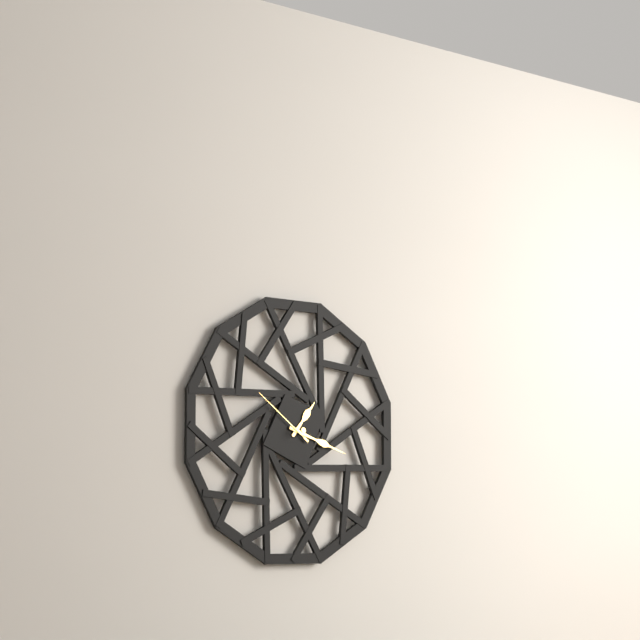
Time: **1:18:51**
